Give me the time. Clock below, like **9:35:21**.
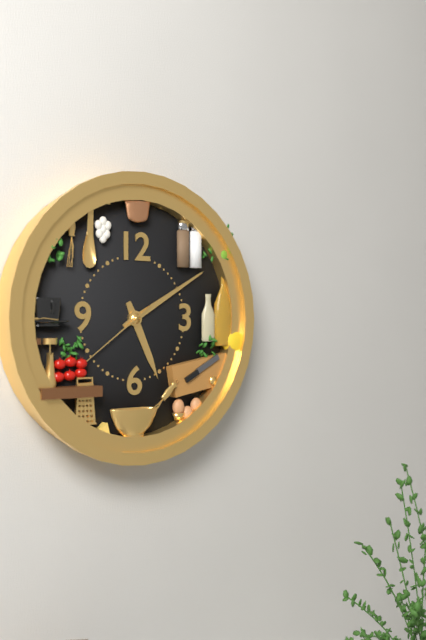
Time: **5:10:39**
